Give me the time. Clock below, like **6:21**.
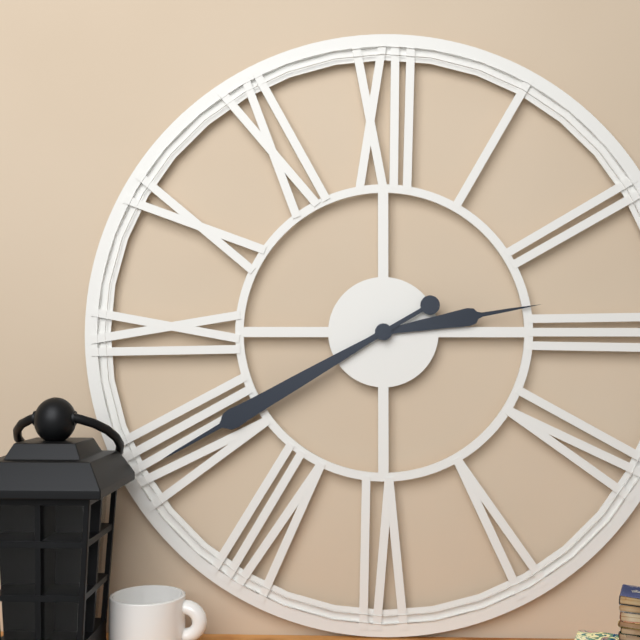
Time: **2:40**
